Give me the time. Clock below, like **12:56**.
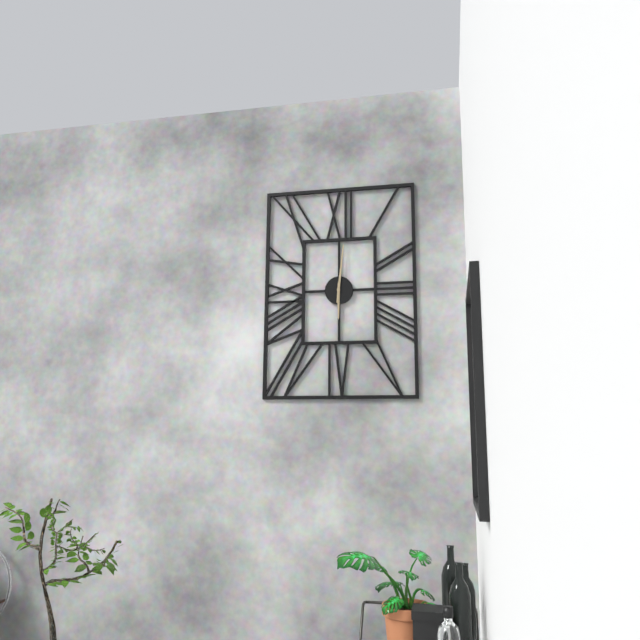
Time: **6:01**
